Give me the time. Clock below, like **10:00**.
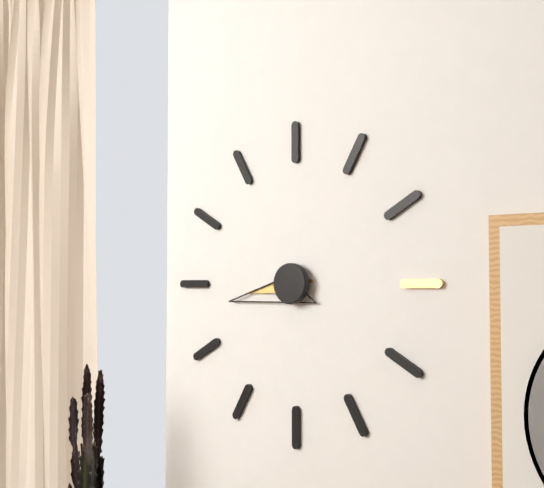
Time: **8:43**
